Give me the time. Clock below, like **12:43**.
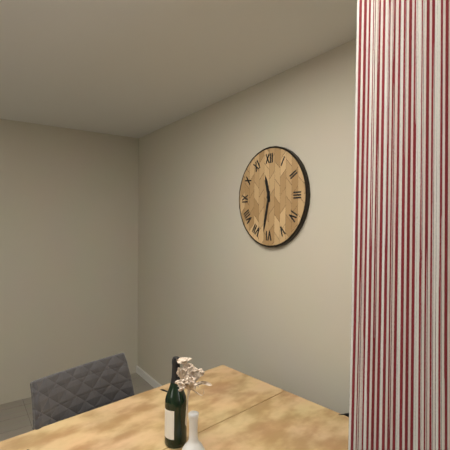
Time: **11:32**
